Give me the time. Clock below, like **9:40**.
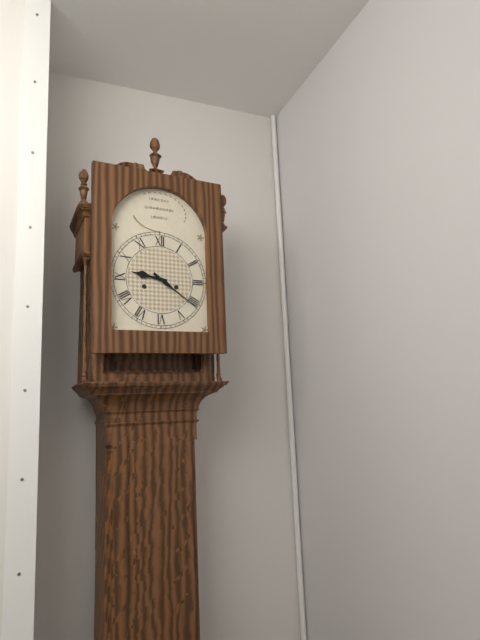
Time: **9:21**
